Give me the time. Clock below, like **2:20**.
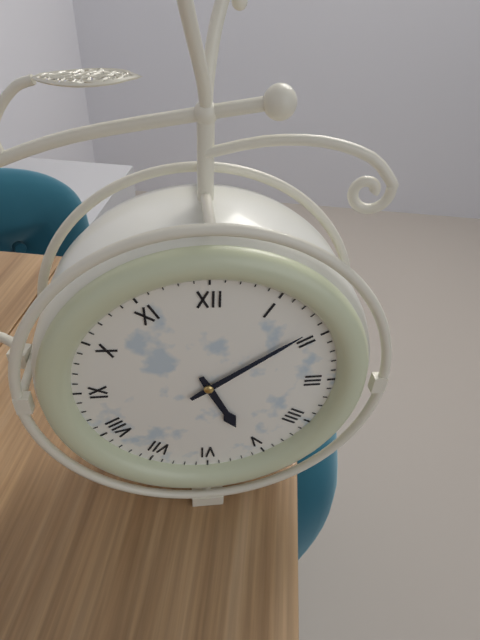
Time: **5:09**
